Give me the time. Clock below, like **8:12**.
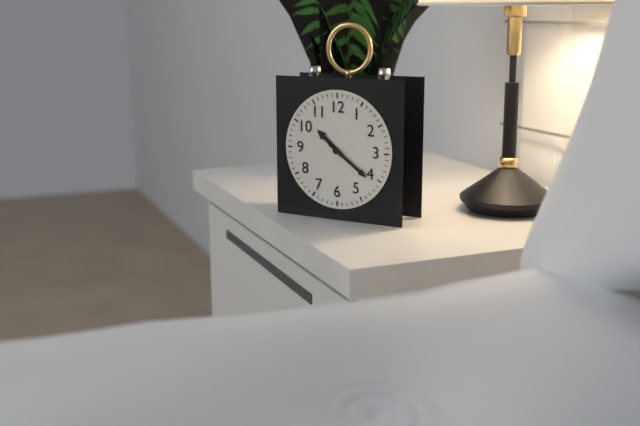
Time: **10:21**
